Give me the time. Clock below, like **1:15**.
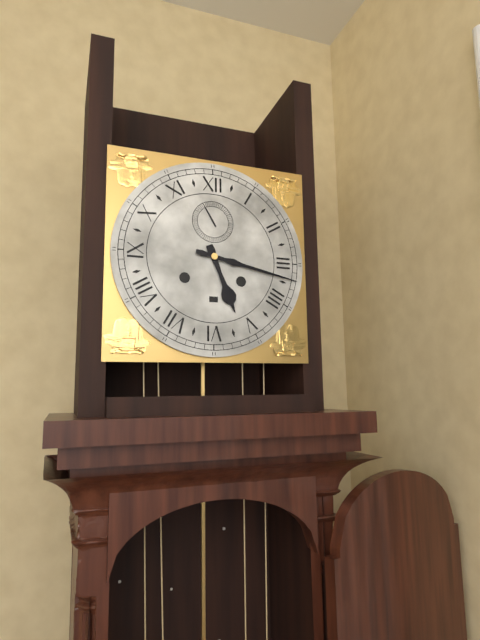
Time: **5:17**
